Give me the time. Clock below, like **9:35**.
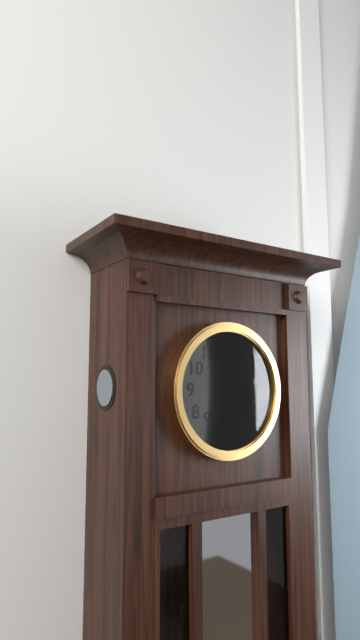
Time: **7:14**
